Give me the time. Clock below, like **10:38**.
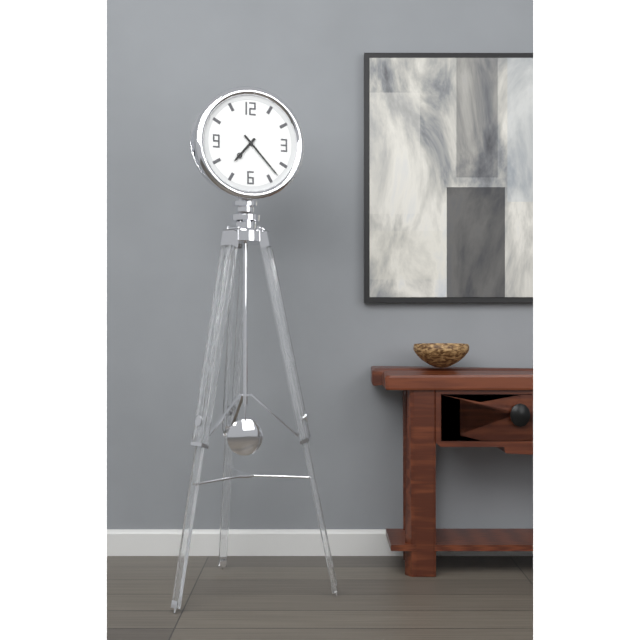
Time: **7:23**
